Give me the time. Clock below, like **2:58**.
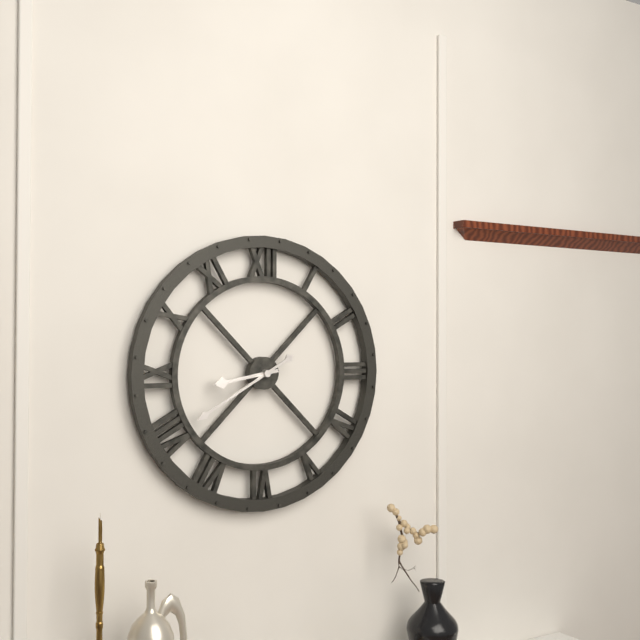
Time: **8:40**
